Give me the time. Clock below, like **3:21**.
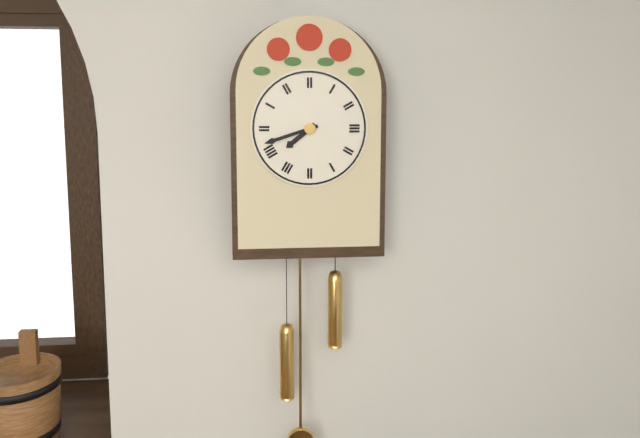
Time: **7:42**
